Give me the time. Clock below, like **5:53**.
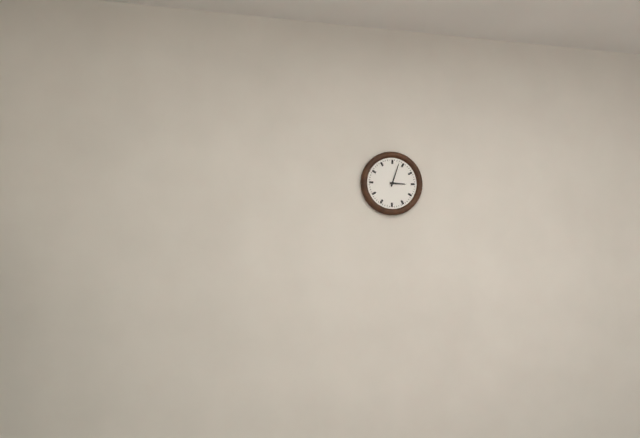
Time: **3:03**
